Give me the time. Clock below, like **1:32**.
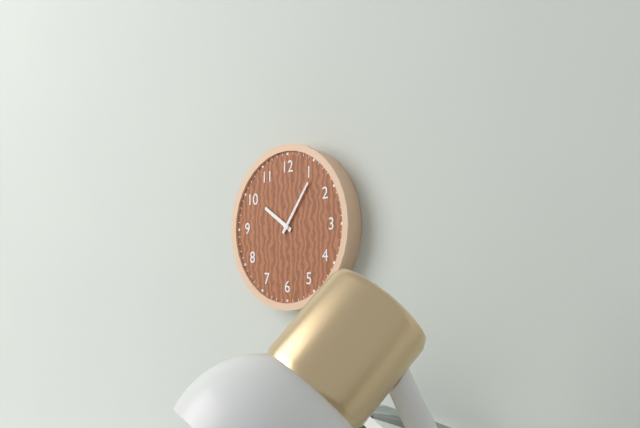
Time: **10:06**
